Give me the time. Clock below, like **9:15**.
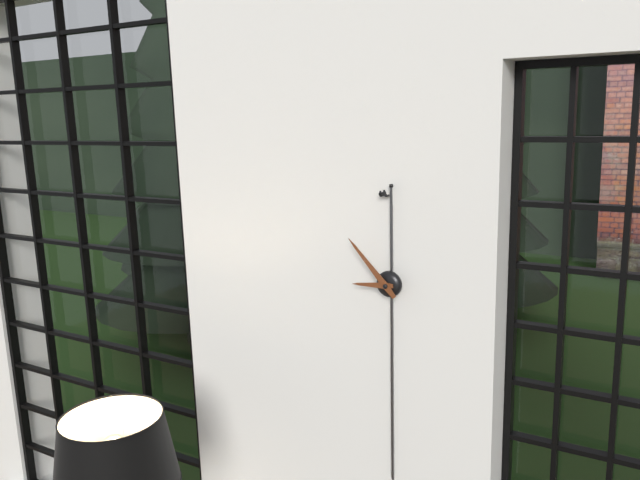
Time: **8:53**
